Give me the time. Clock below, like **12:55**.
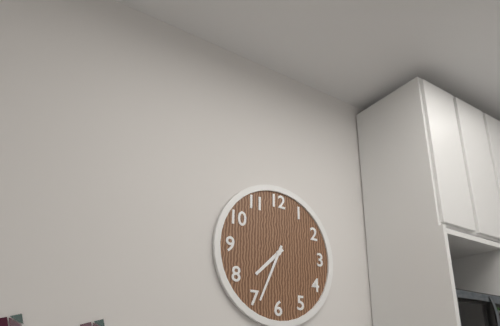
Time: **7:34**
